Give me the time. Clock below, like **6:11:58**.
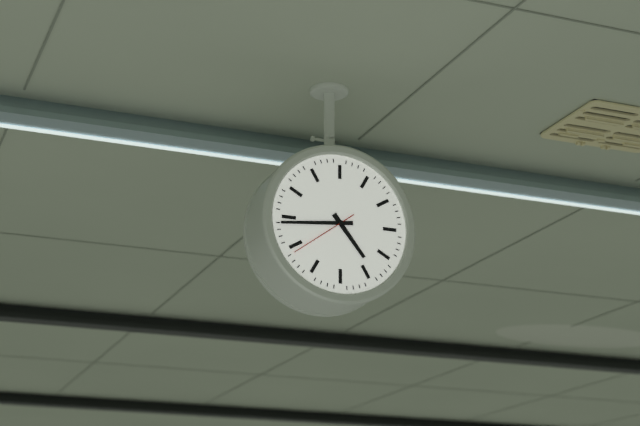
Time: **4:44:39**
